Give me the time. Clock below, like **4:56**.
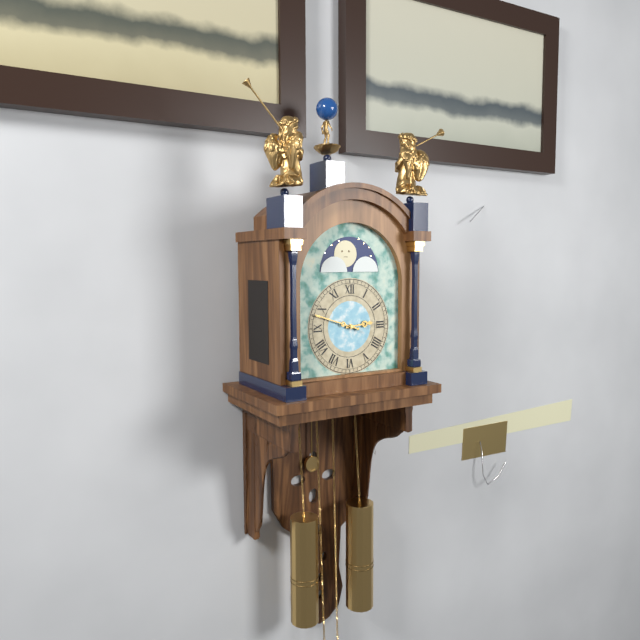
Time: **2:48**
